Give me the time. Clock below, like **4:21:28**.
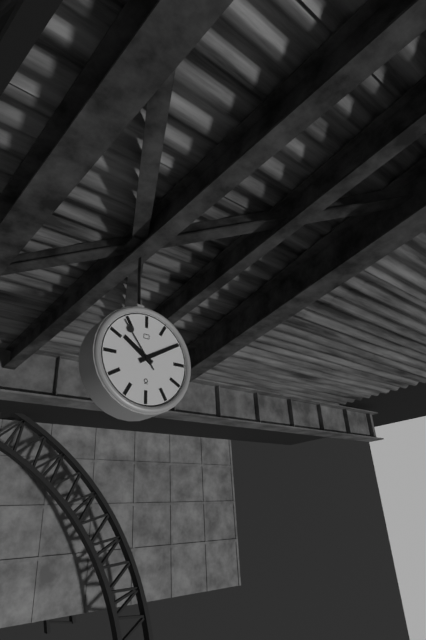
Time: **10:10:54**
